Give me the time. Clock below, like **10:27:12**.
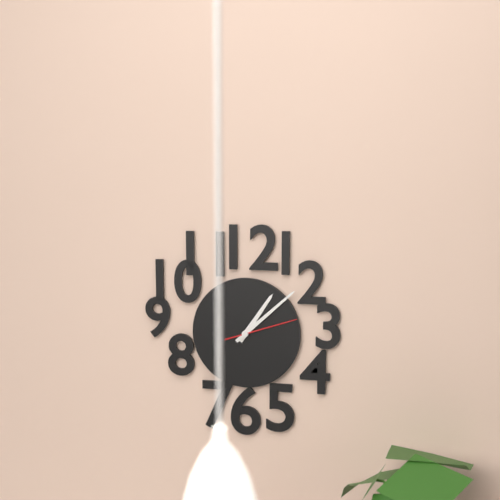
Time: **1:08:12**
